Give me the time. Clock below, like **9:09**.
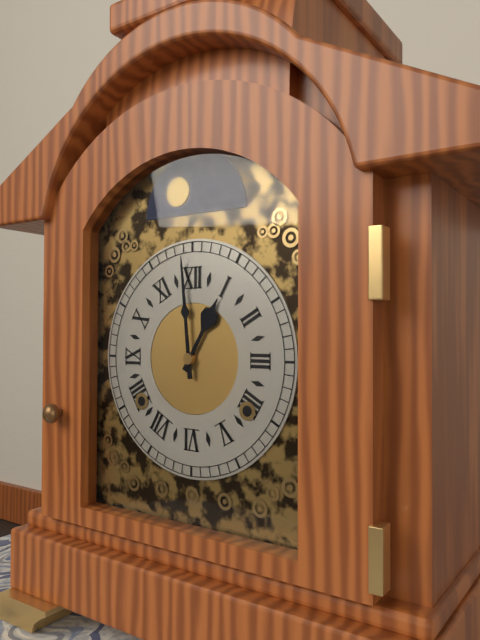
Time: **12:59**
